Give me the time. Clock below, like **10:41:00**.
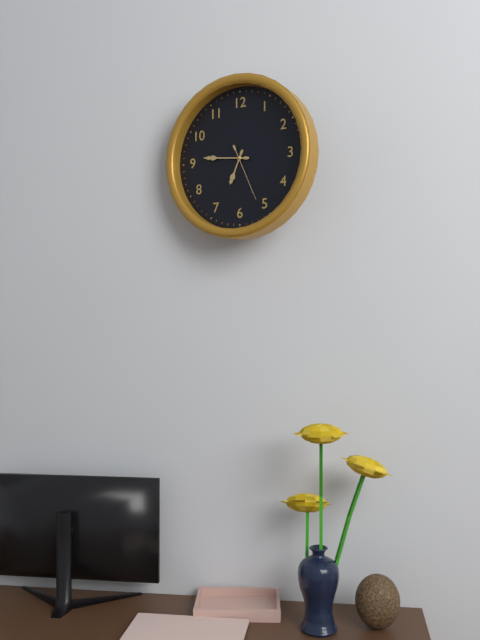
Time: **6:46:26**
